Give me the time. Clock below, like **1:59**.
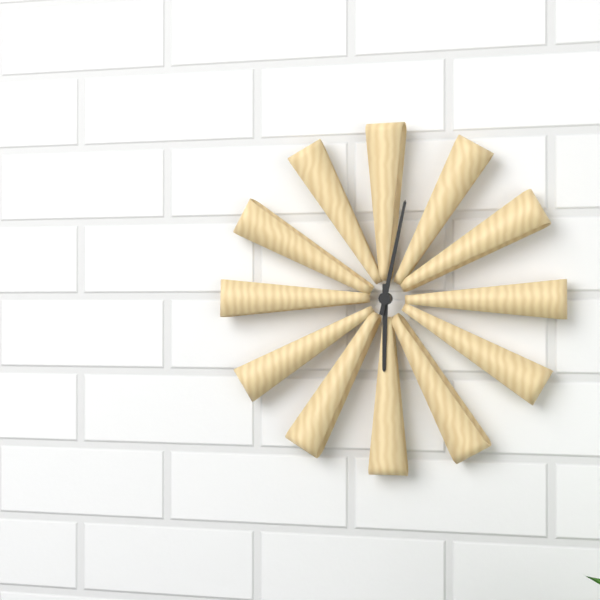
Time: **6:02**
